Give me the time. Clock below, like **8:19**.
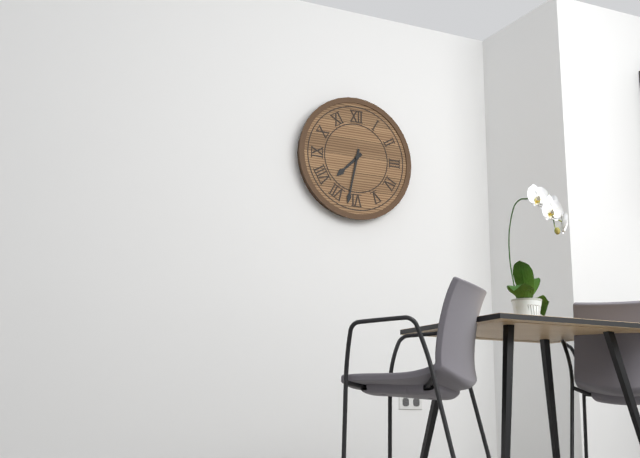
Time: **7:32**
